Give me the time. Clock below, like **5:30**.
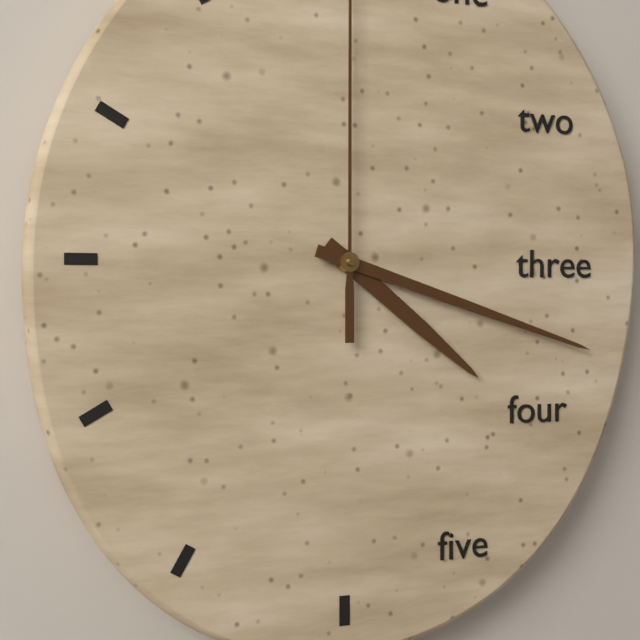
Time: **4:18**
